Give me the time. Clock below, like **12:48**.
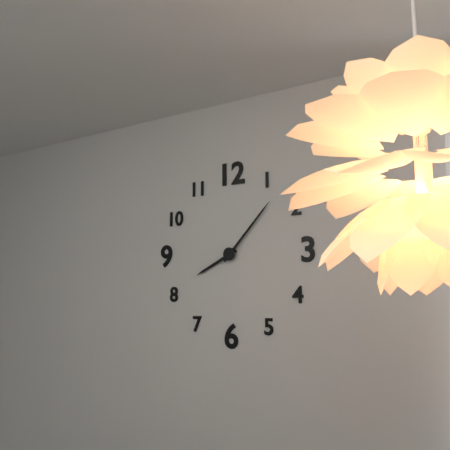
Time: **8:07**
